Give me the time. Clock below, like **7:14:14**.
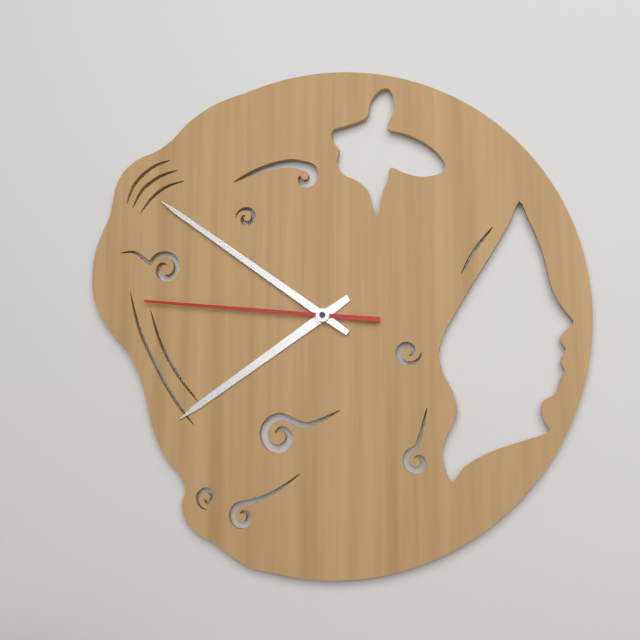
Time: **7:51:46**
